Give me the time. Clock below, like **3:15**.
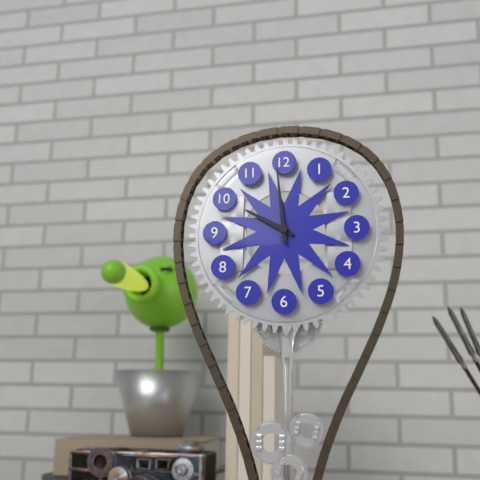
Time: **9:59**
